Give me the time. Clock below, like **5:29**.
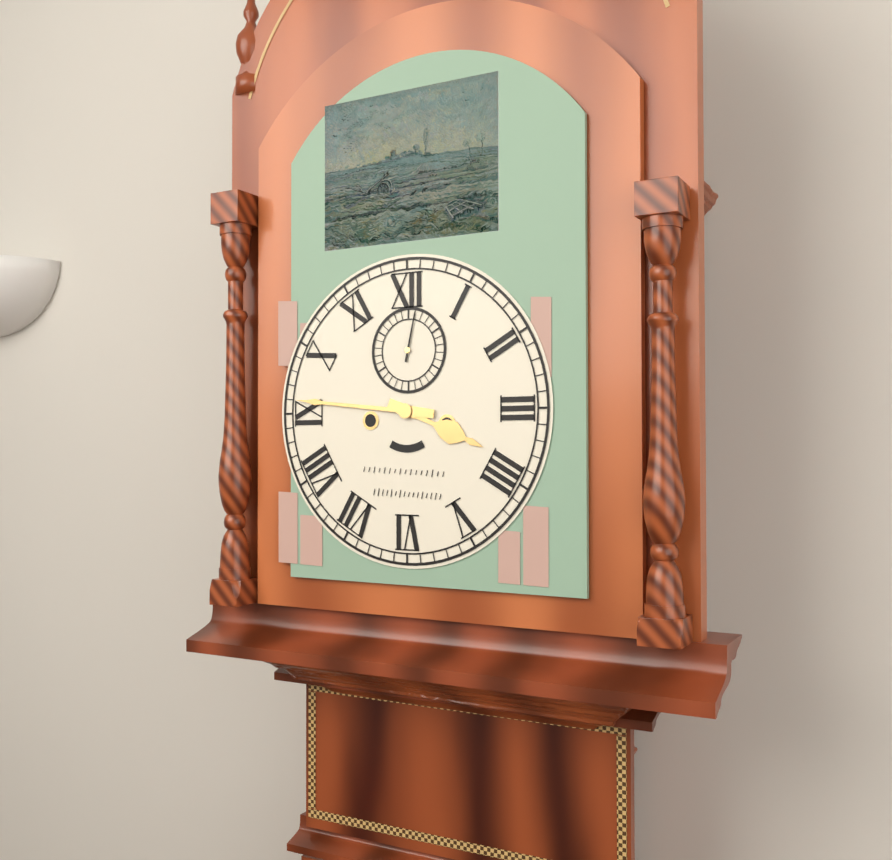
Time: **3:46**
